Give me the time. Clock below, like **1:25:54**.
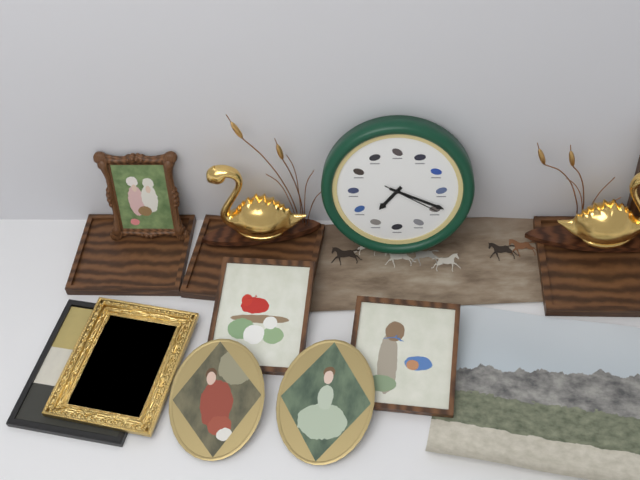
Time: **7:19:20**
